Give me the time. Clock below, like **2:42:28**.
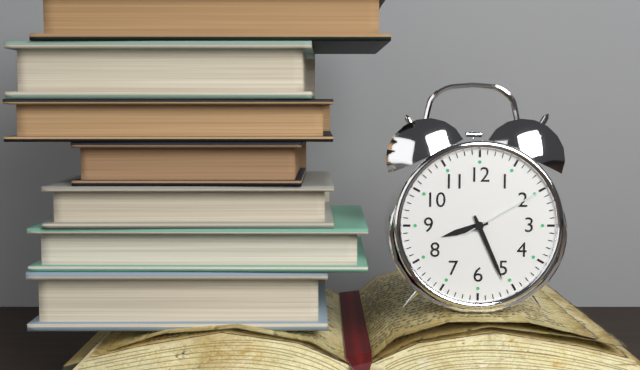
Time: **8:26:10**
